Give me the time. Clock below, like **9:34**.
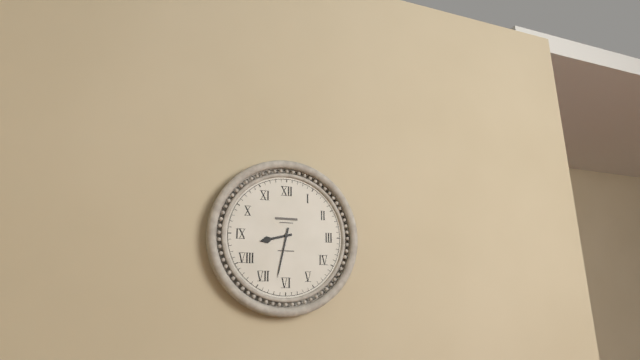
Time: **8:32**
